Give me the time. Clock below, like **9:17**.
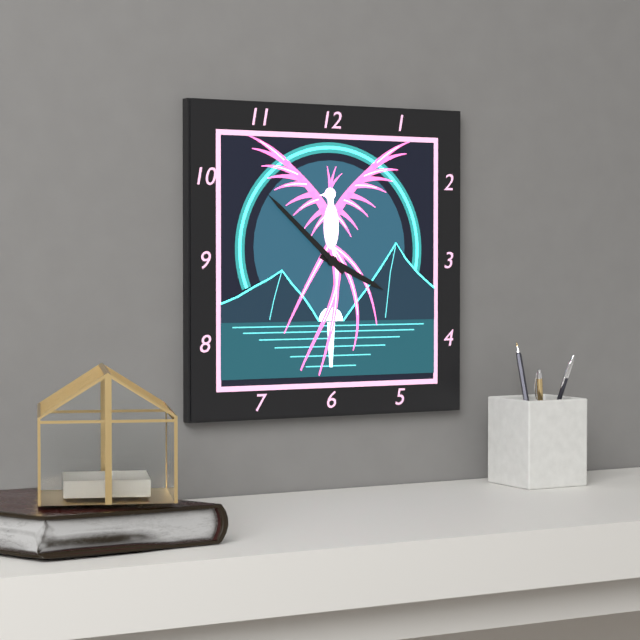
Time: **3:52**
